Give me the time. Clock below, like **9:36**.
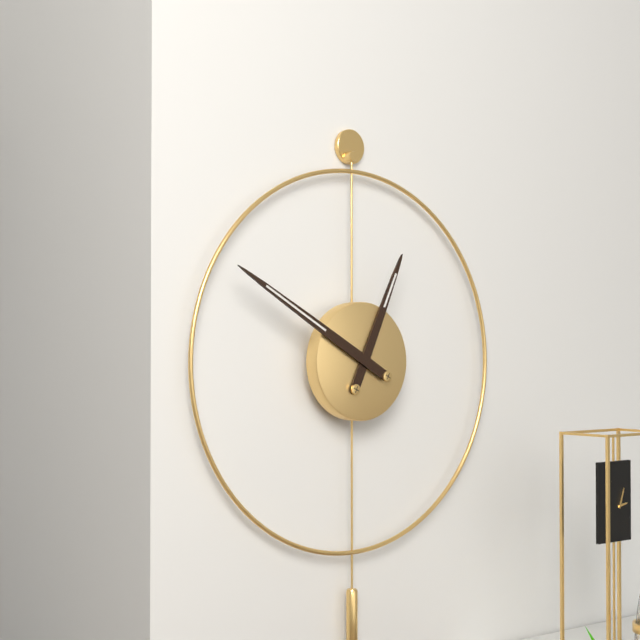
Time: **12:50**
